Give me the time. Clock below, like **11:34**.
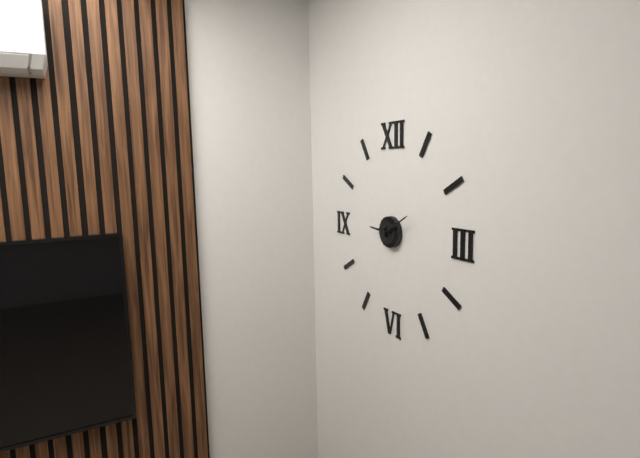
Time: **9:10**
